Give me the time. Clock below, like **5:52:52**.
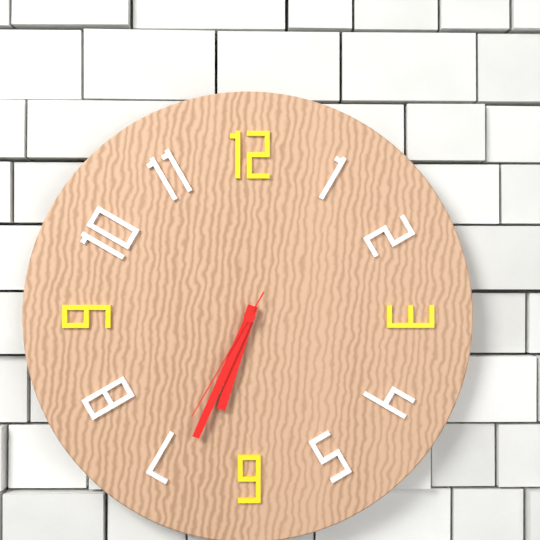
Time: **6:34:35**
